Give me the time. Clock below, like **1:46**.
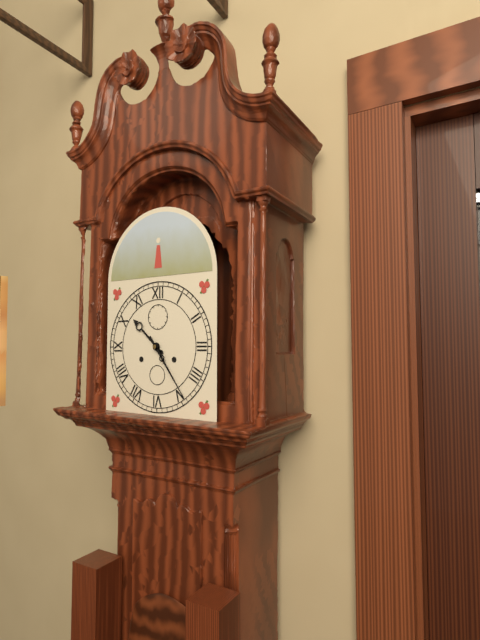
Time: **10:24**
